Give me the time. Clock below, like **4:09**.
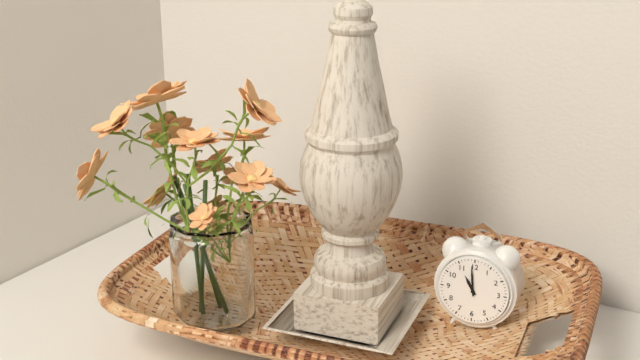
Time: **10:59**
